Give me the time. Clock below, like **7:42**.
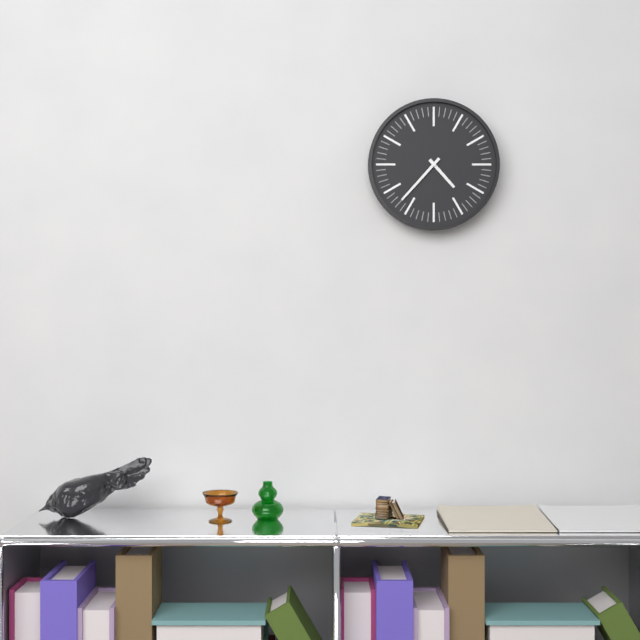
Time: **4:37**
